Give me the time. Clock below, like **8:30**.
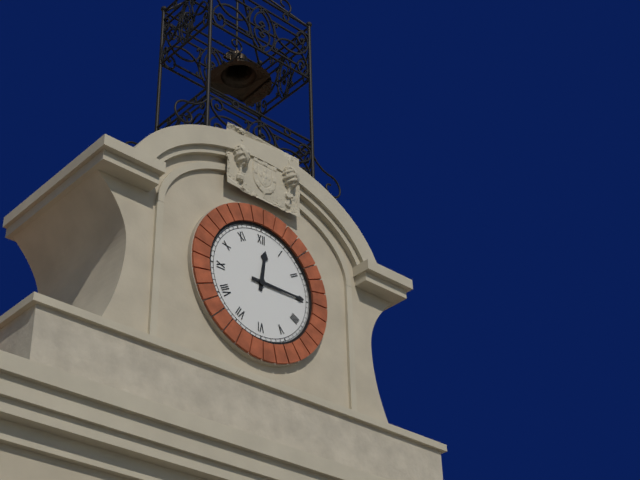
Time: **12:15**
